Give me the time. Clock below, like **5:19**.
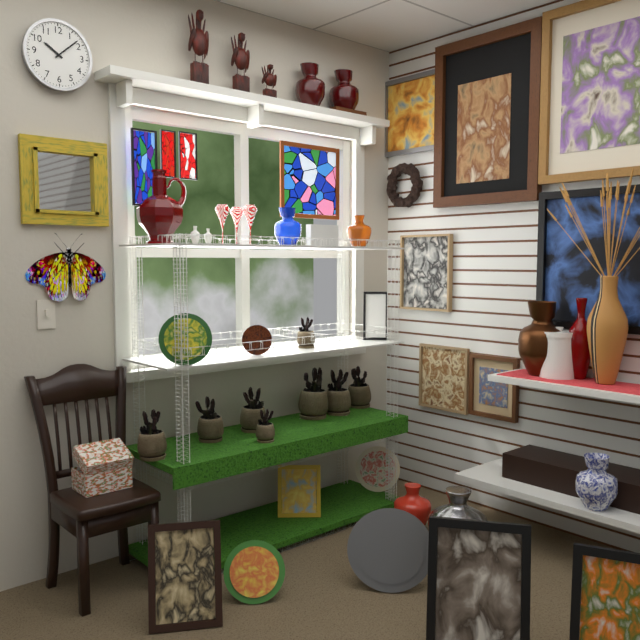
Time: **10:08**
